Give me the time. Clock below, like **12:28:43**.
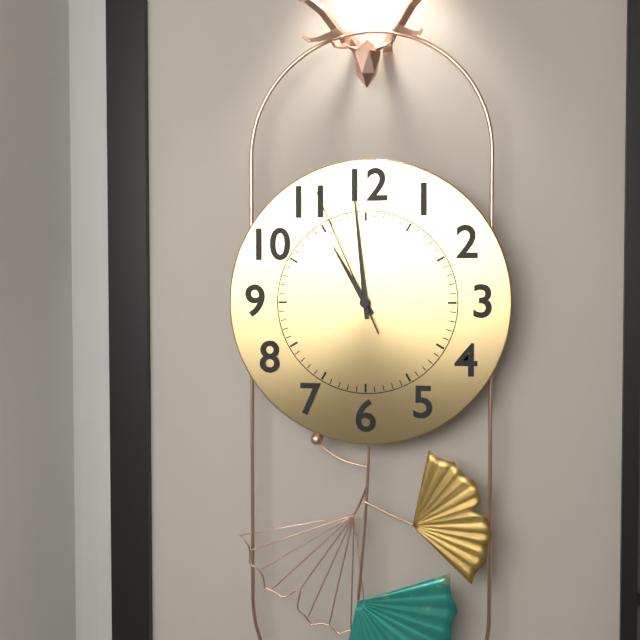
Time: **10:59:56**
